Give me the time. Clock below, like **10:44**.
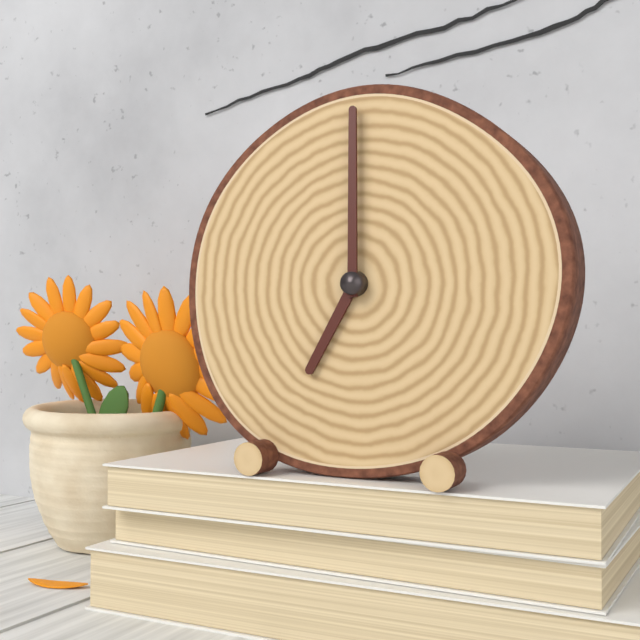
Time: **7:00**
